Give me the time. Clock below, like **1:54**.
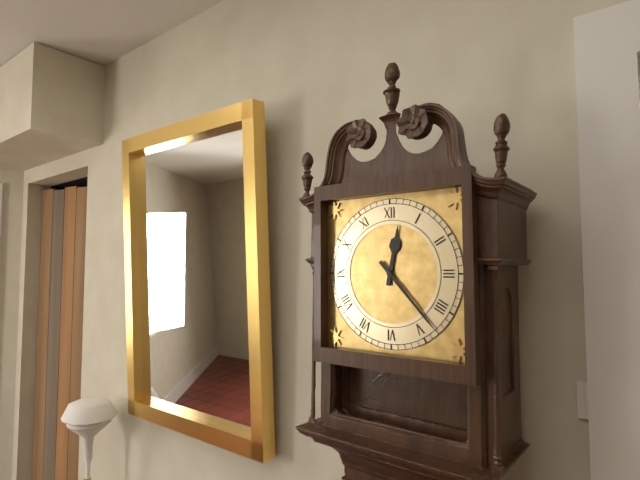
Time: **12:23**
